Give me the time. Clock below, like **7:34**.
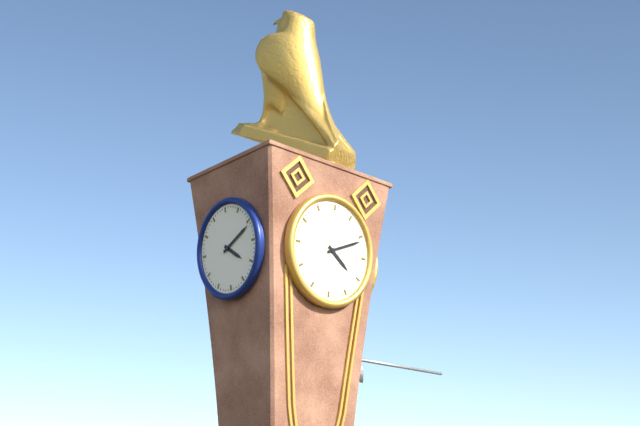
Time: **4:11**
